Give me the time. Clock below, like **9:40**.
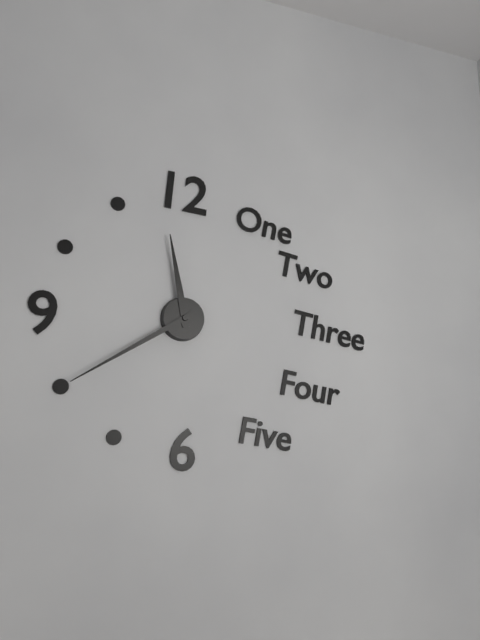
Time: **11:40**
